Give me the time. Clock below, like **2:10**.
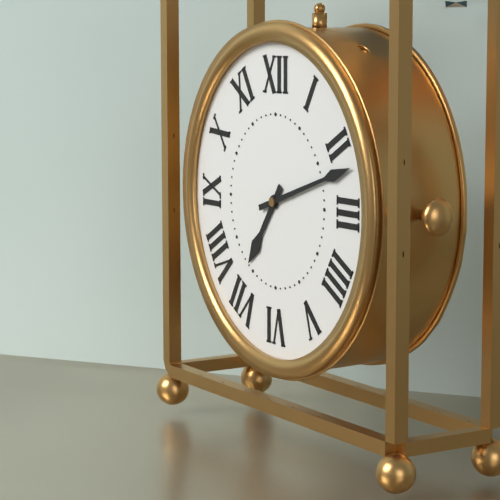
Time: **7:12**
